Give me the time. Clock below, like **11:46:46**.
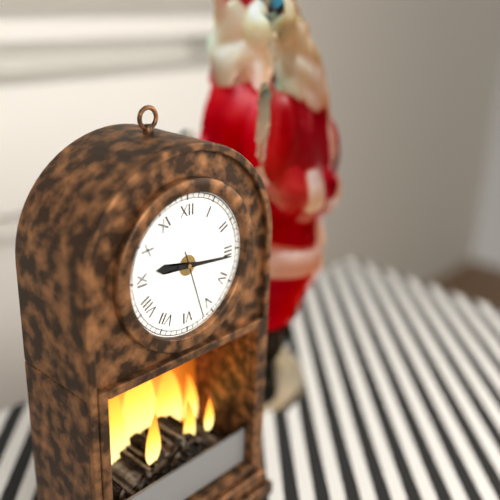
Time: **9:16:27**
